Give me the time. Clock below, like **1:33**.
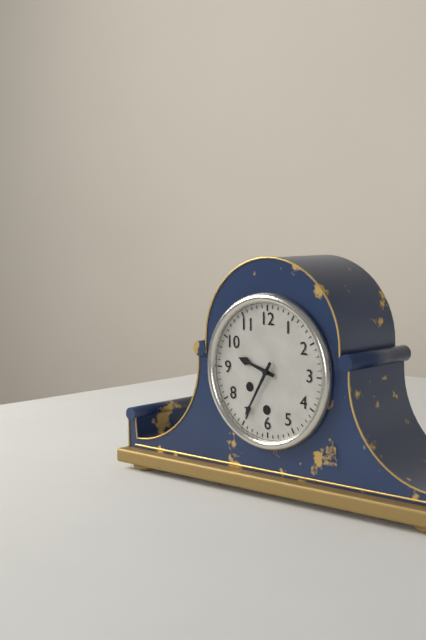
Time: **9:35**
